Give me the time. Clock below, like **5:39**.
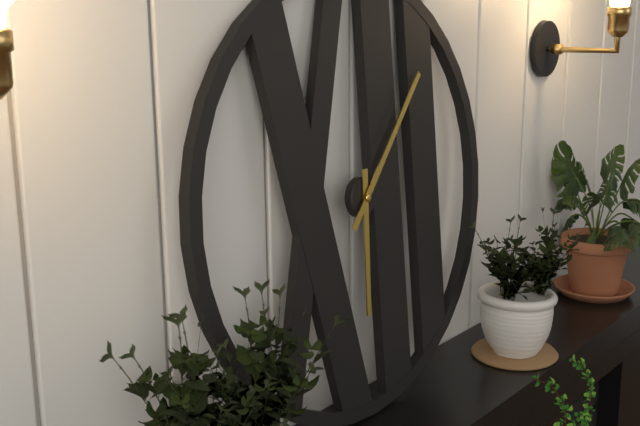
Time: **6:07**
